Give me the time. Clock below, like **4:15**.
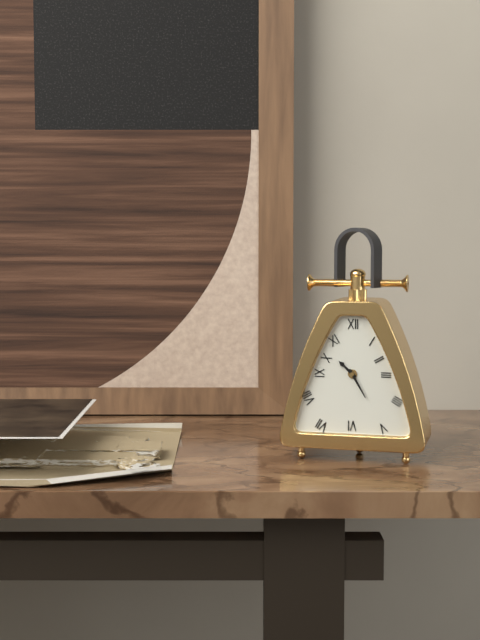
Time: **10:25**
